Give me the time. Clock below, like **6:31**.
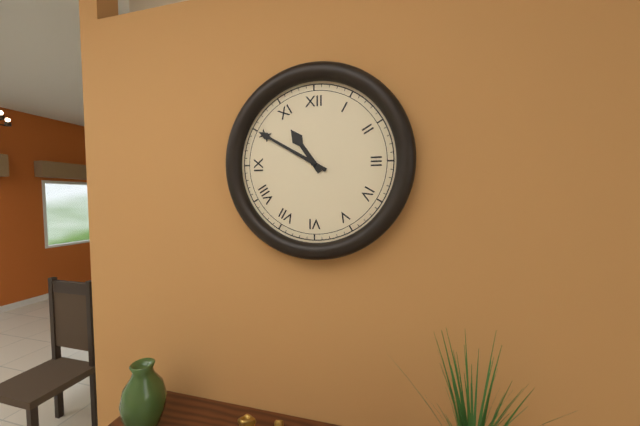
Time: **10:50**
